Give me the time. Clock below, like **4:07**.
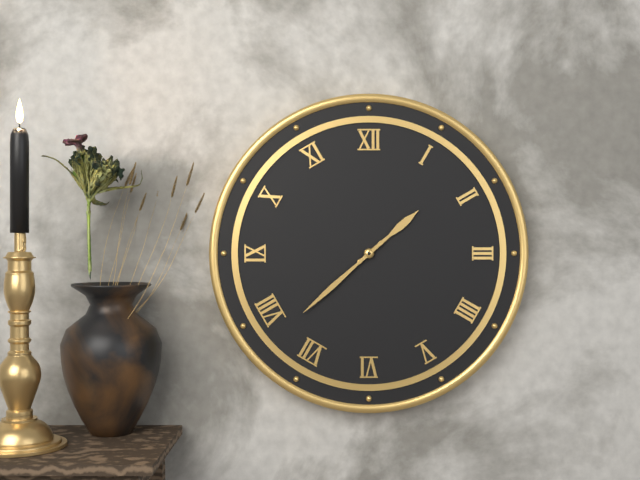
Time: **1:38**
